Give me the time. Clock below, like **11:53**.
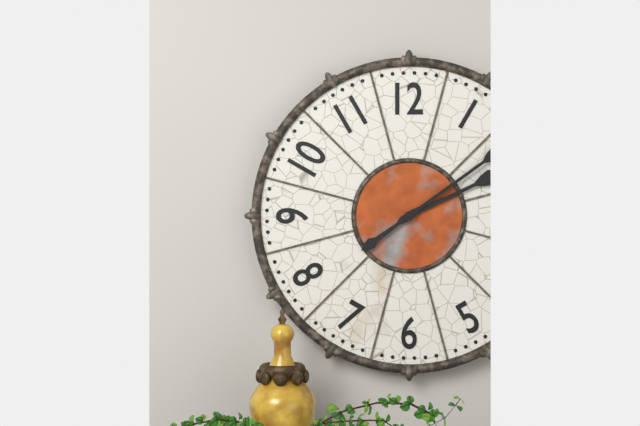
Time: **2:09**
